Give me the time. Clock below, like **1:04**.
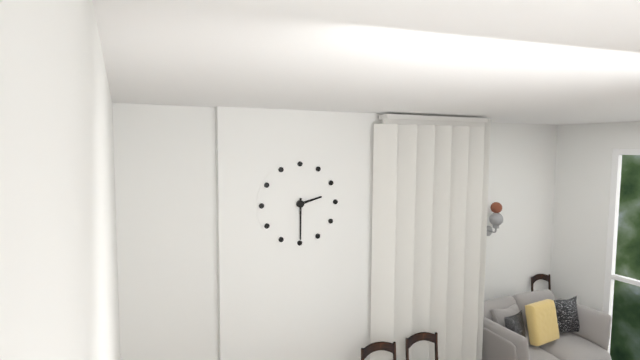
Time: **2:30**
